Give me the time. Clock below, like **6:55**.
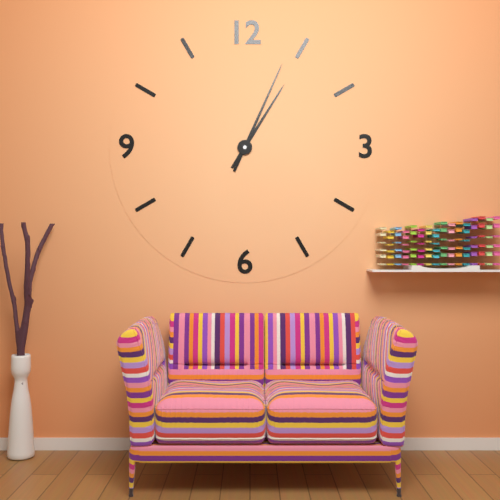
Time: **1:04**
